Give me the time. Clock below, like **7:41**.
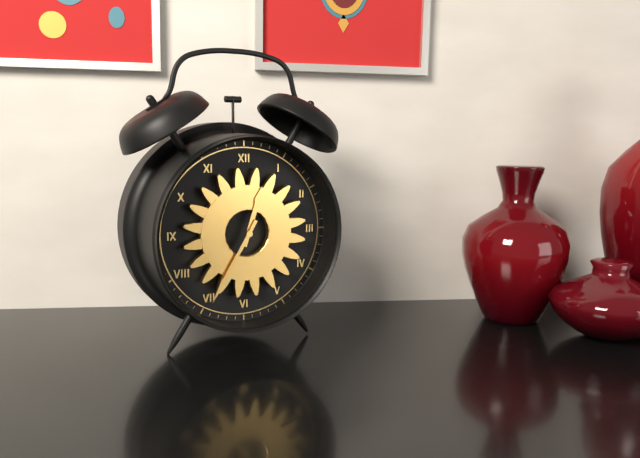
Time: **12:35**
